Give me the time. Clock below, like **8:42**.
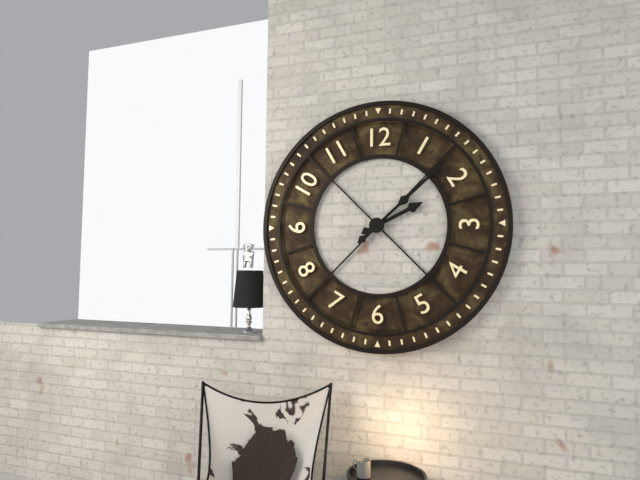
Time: **2:08**
